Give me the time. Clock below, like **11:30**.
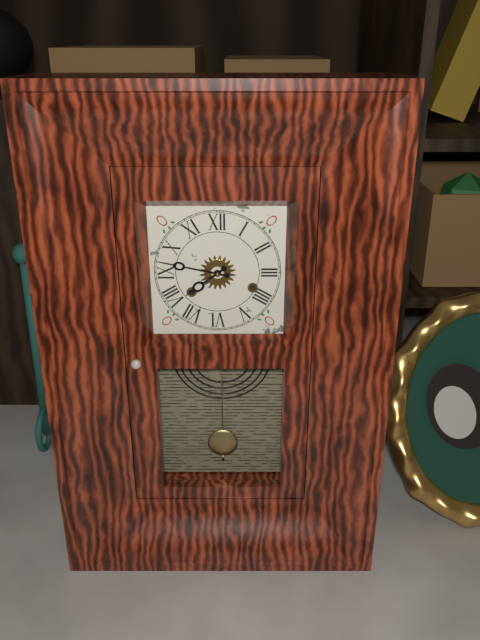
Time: **7:47**
